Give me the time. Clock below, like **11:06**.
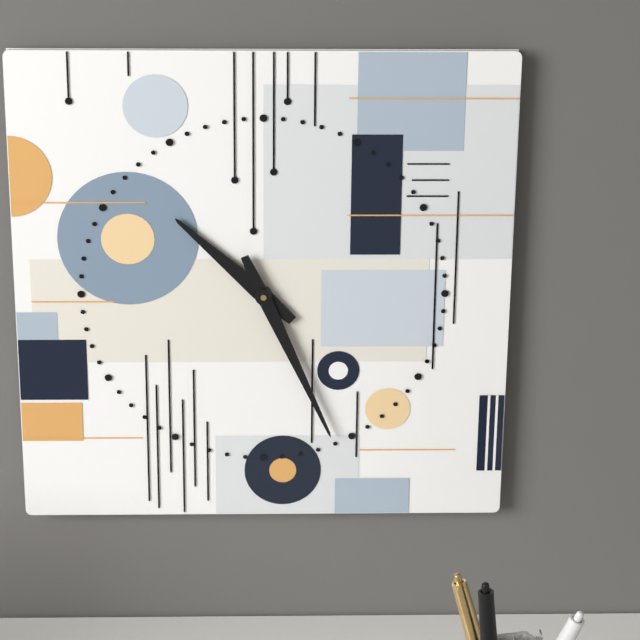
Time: **10:26**
